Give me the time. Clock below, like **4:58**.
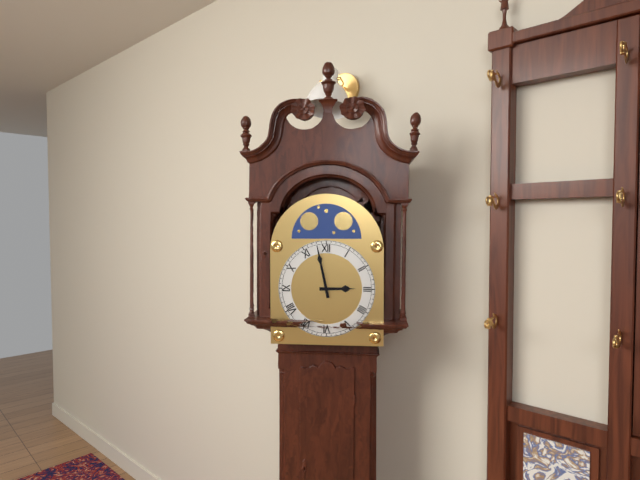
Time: **2:58**
